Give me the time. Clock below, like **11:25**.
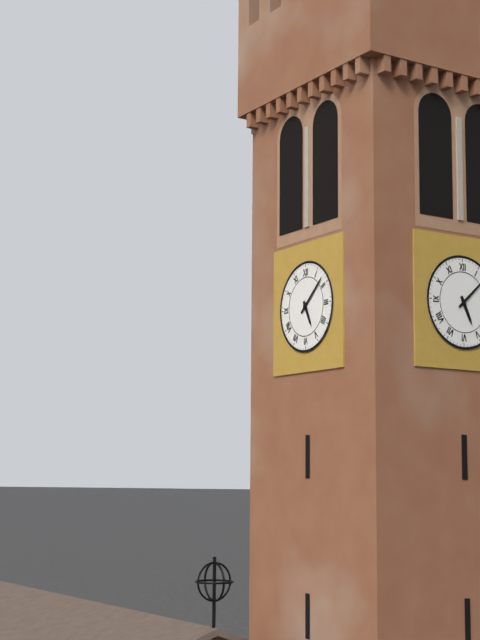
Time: **5:08**
